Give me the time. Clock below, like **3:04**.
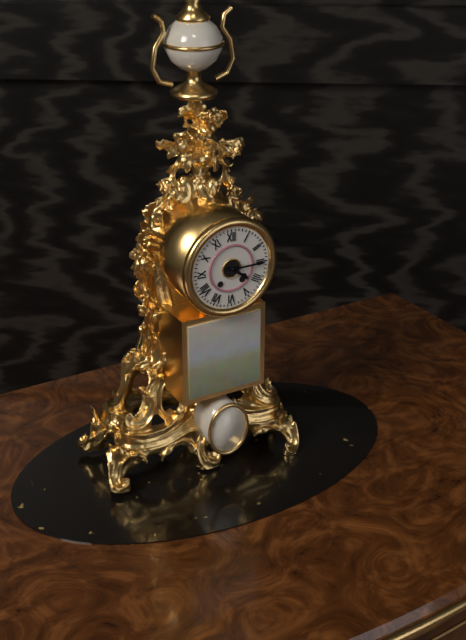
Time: **4:15**
